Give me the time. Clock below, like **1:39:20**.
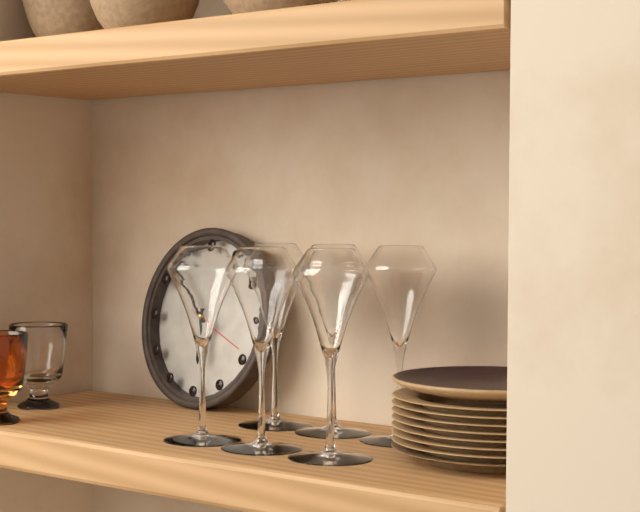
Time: **5:52:19**
